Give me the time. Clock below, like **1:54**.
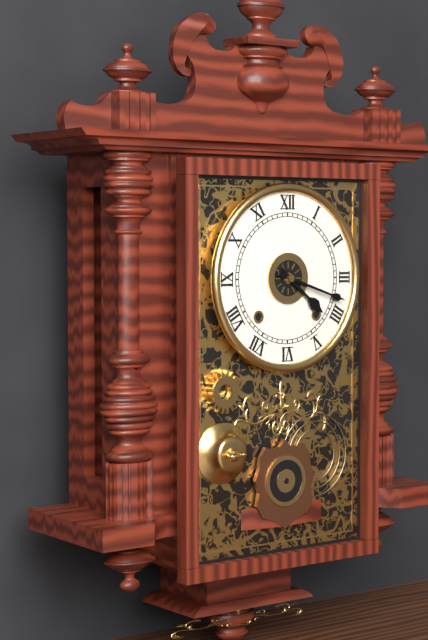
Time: **4:18**
